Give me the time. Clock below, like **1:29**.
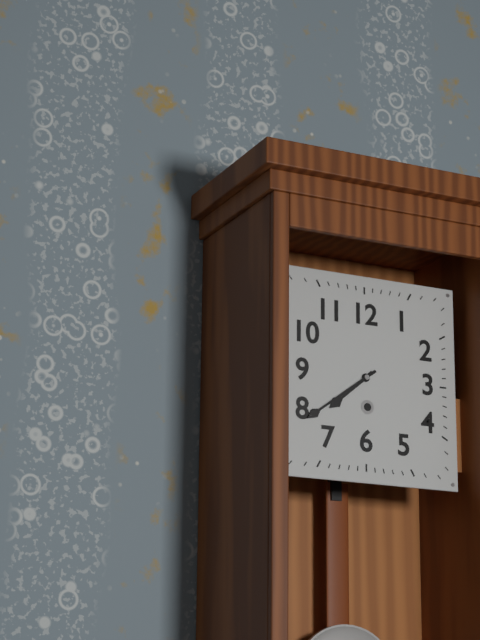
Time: **7:39**
